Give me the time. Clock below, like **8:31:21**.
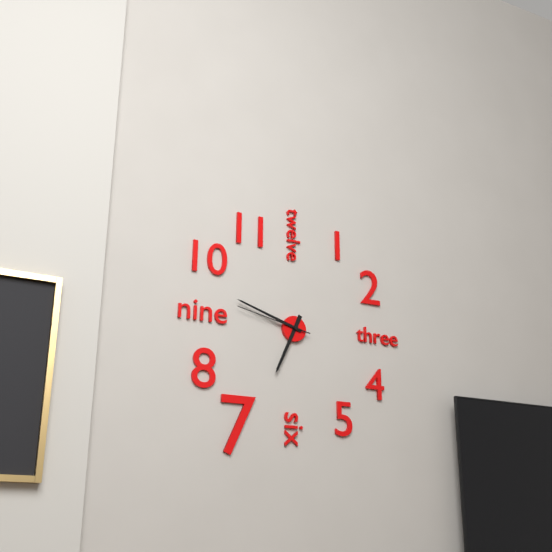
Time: **6:48:47**
